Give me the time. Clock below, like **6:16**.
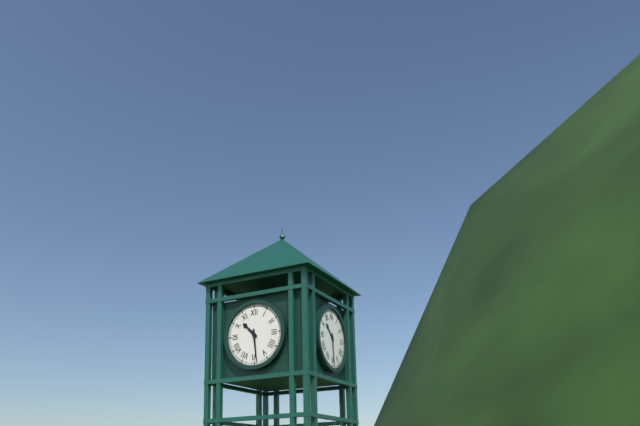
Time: **10:29**
